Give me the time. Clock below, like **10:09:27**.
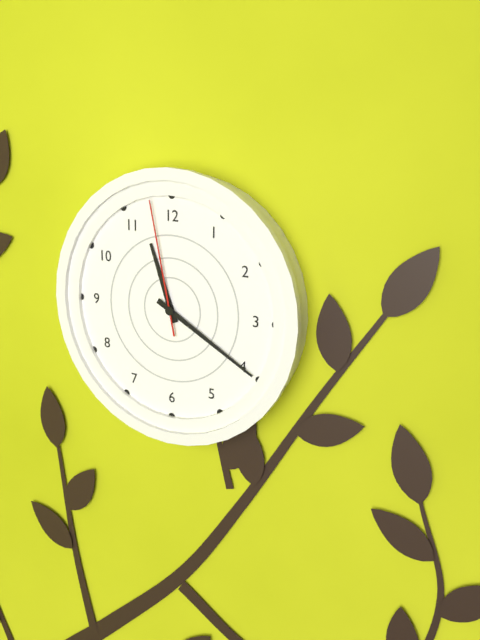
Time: **11:20:58**
